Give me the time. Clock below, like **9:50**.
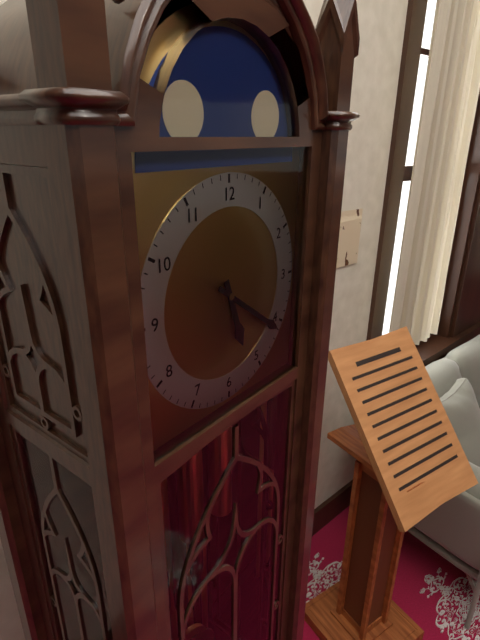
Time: **5:21**
